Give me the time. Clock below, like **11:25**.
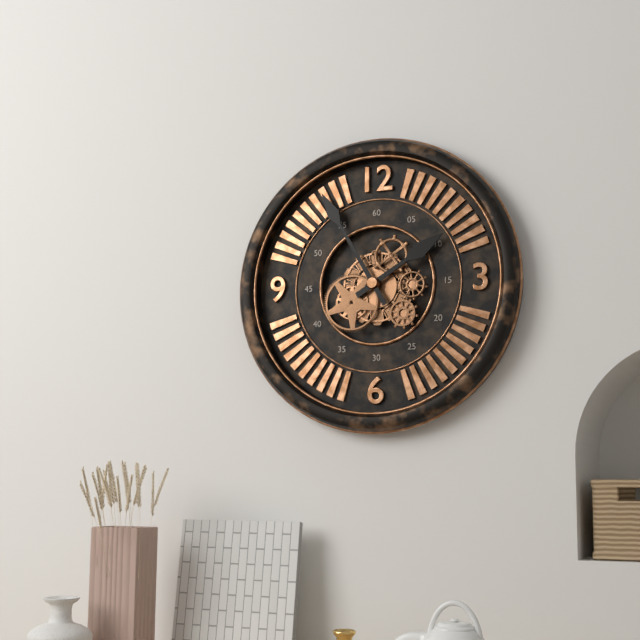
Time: **1:55**
